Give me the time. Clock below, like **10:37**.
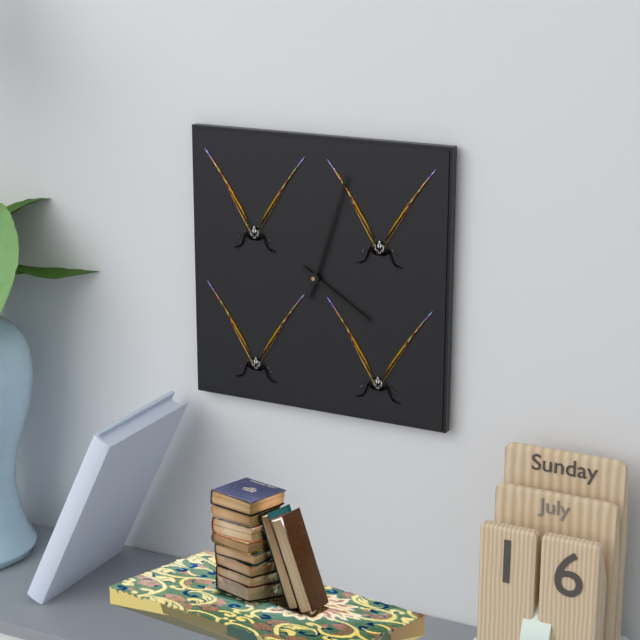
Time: **4:03**
